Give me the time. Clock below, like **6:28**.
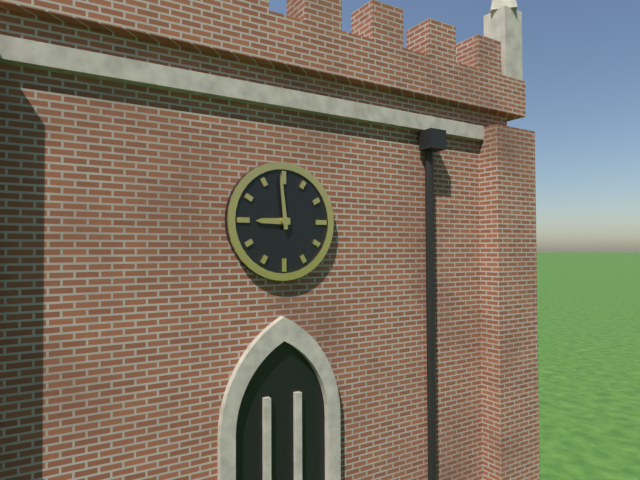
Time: **8:59**
